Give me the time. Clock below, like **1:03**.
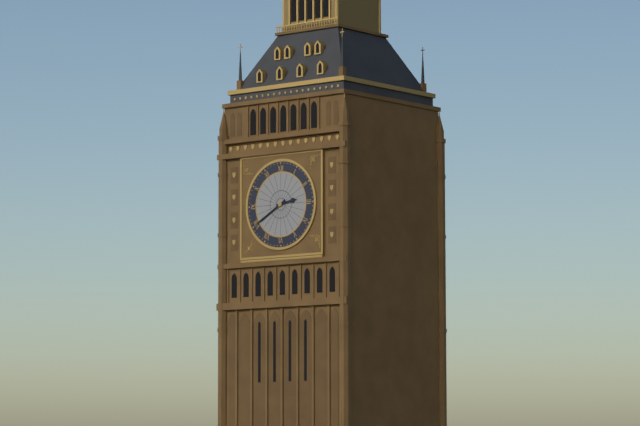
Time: **2:40**
